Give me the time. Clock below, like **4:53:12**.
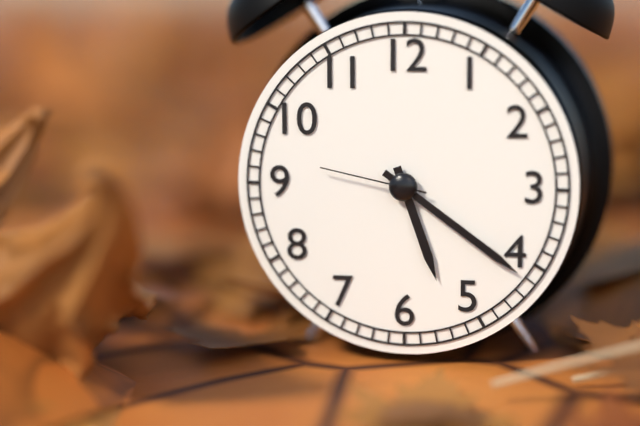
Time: **5:21:47**
